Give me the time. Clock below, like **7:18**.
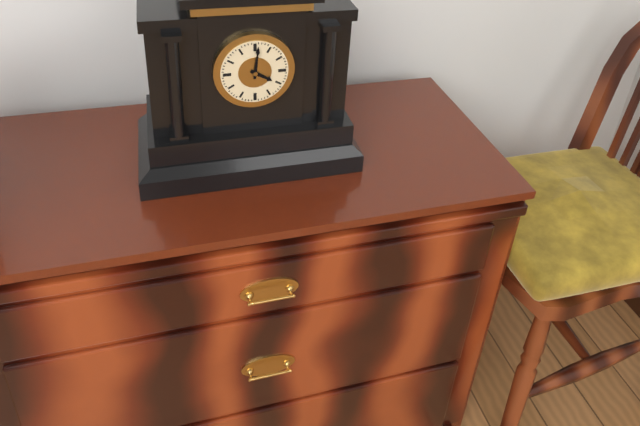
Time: **4:01**
